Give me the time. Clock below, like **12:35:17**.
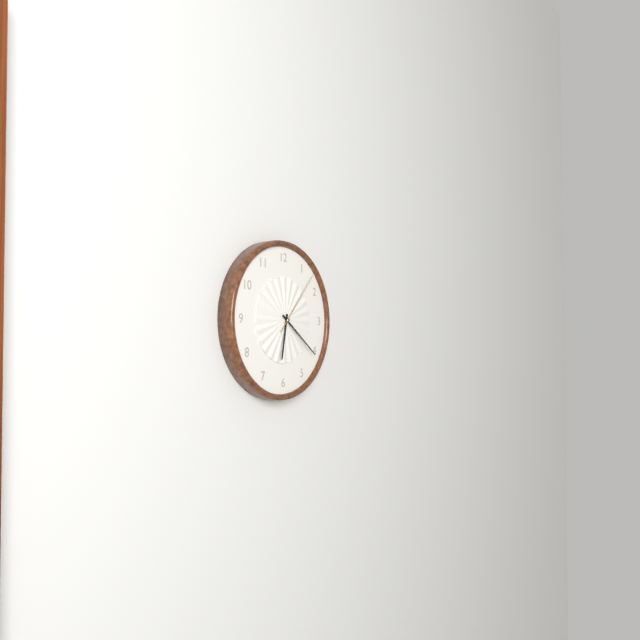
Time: **6:21:07**
